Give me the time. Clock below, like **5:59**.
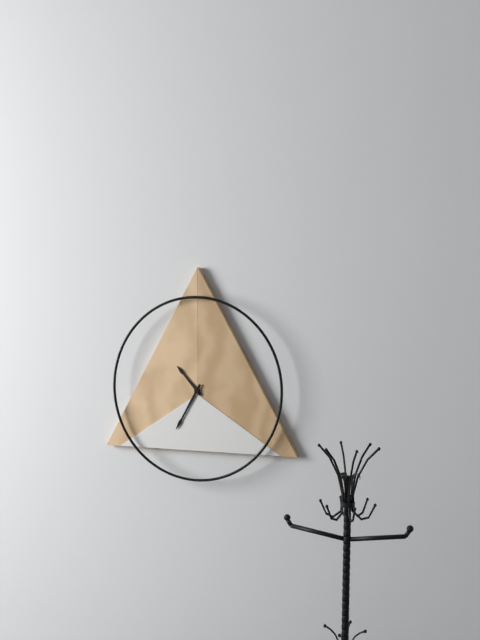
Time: **10:35**
